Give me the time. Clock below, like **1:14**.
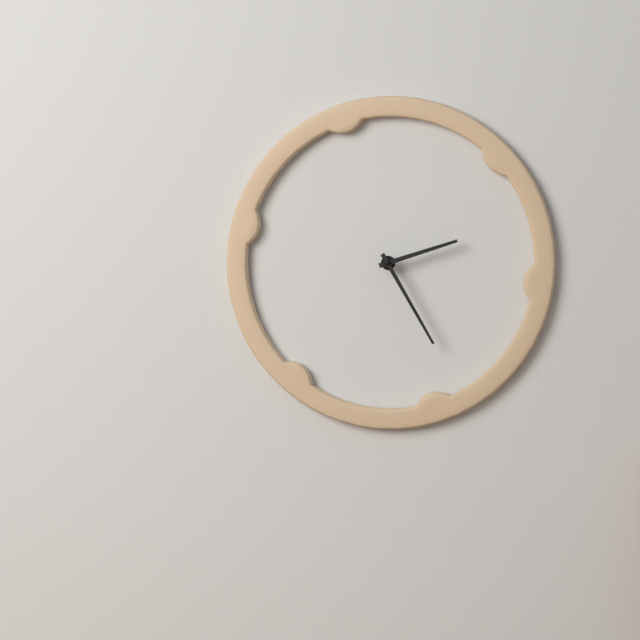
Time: **2:25**
